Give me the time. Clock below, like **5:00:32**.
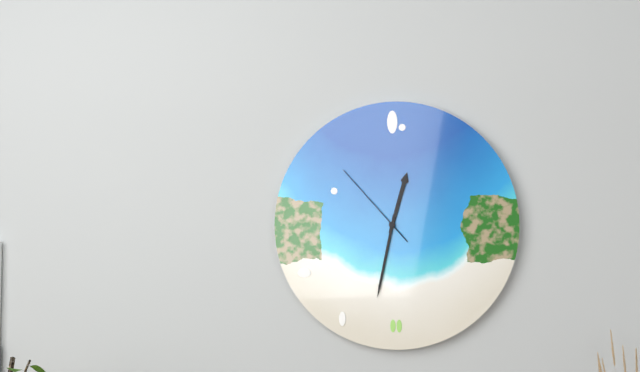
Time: **12:32:53**
